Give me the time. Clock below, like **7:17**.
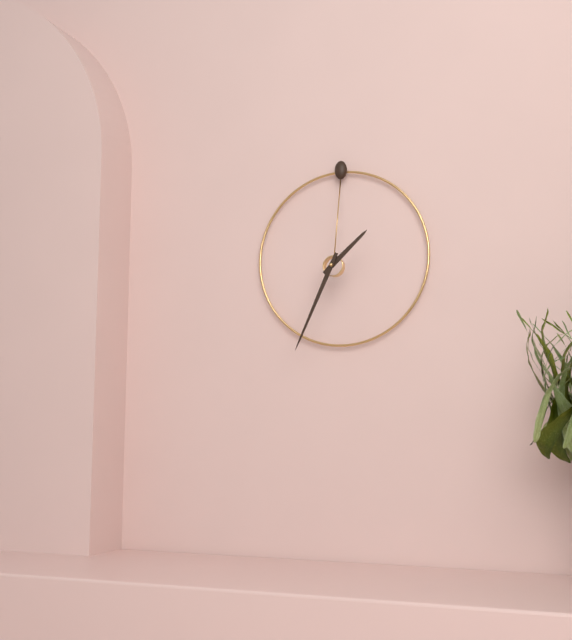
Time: **1:34**
